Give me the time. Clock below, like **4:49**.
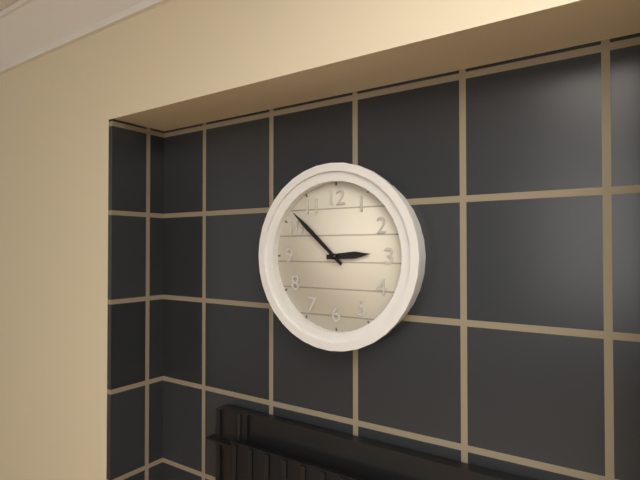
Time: **2:52**
